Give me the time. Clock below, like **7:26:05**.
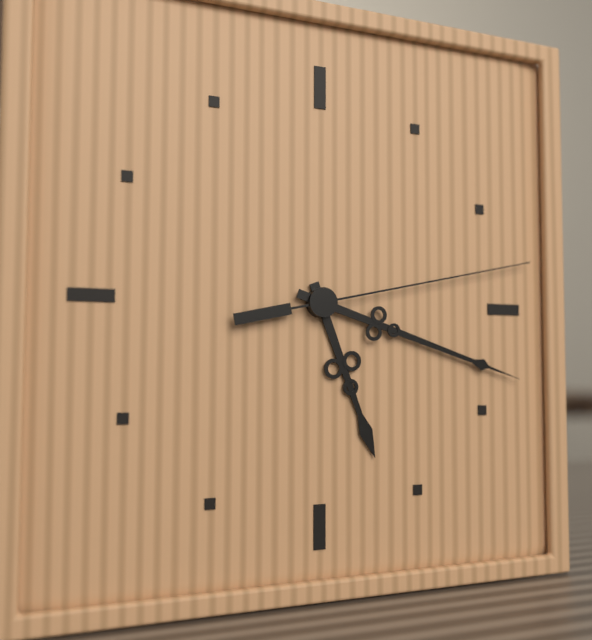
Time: **5:18:13**
